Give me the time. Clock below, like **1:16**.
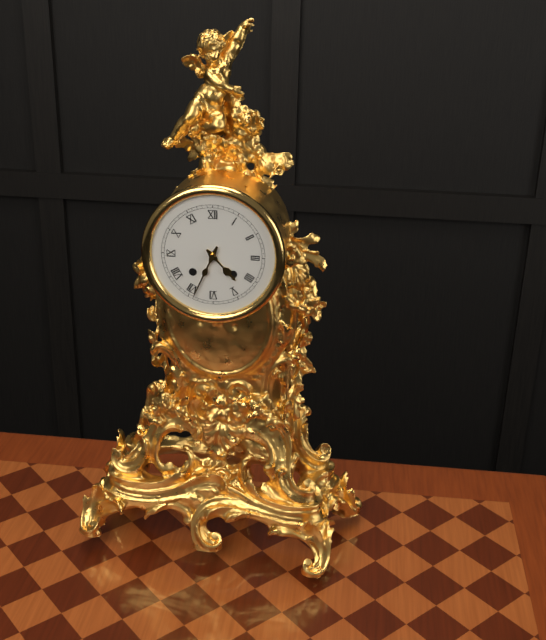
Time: **4:34**
